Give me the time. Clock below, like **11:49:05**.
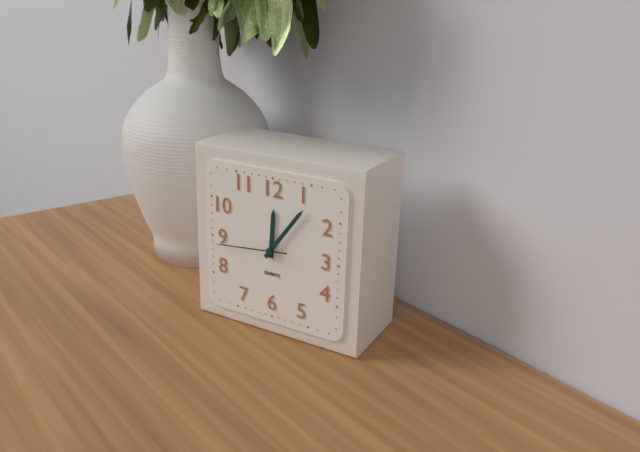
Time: **12:06:44**
